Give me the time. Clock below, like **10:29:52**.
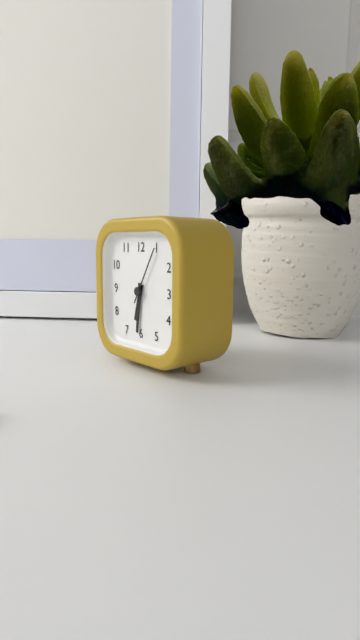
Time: **6:31:05**
